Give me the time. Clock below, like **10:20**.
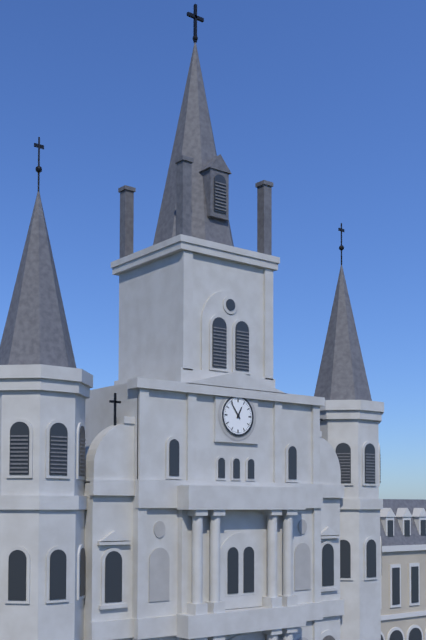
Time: **12:54**
